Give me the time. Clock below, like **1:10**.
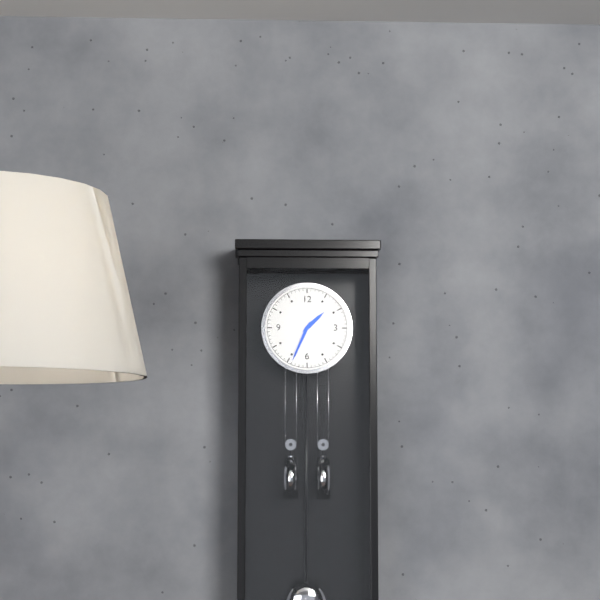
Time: **1:34**
